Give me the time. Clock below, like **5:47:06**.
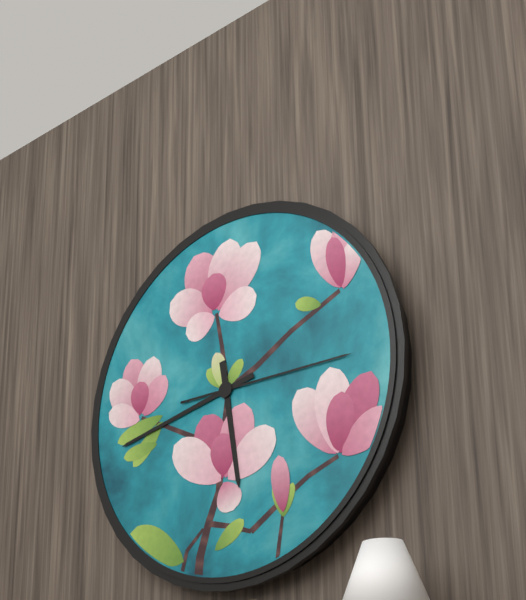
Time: **5:43:15**
